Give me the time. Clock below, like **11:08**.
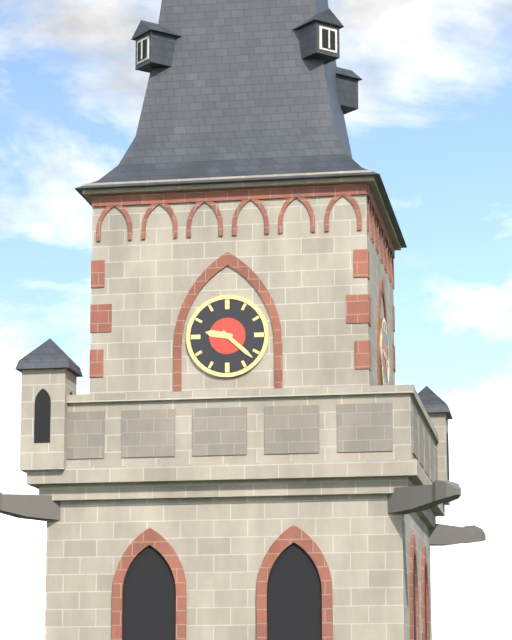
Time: **9:22**
